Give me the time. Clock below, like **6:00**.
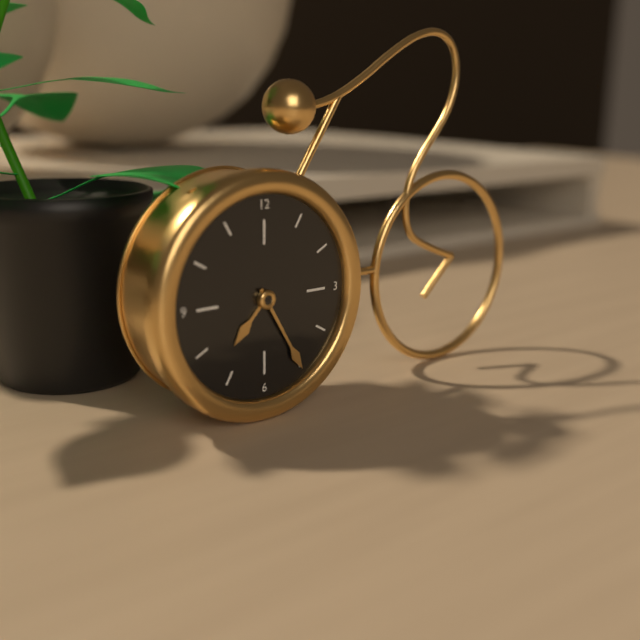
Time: **7:25**
